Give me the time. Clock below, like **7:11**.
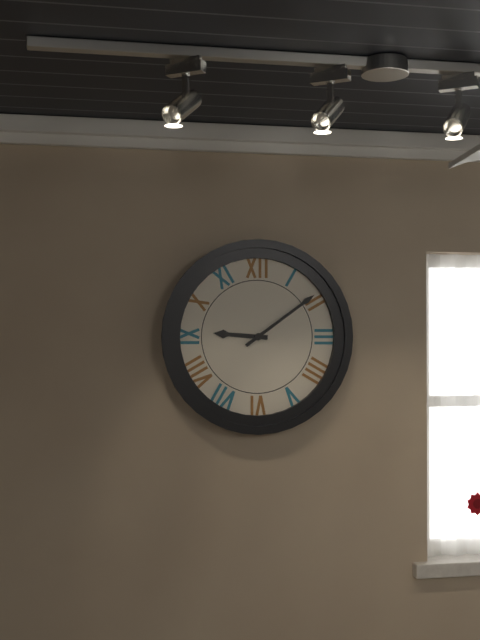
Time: **9:09**
